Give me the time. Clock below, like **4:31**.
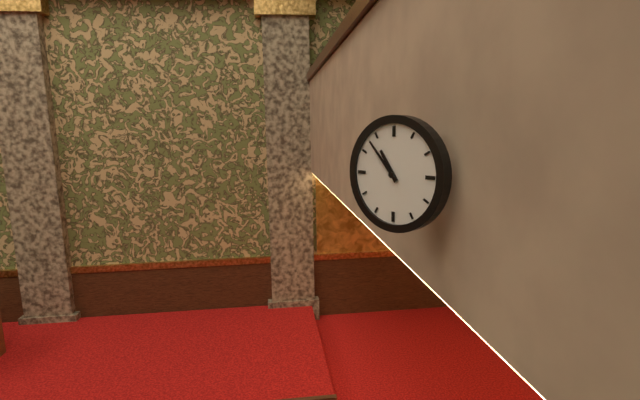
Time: **10:53**
